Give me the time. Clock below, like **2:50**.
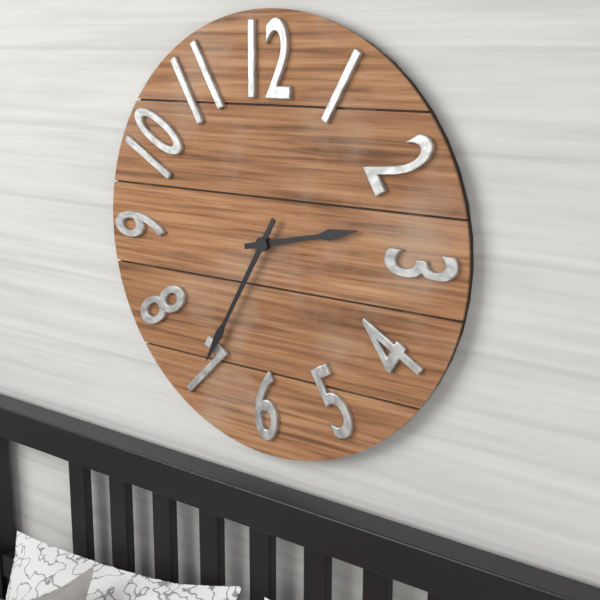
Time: **2:35**
